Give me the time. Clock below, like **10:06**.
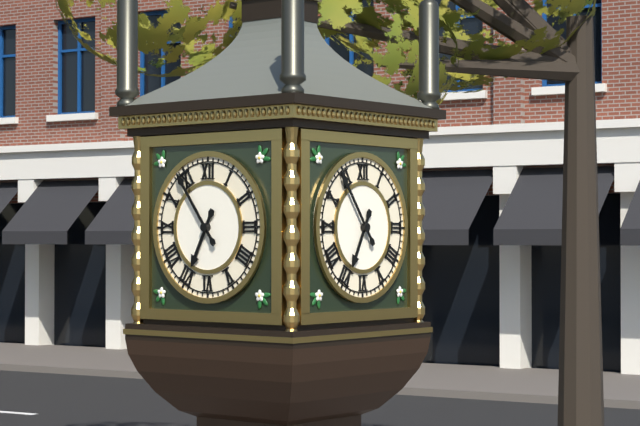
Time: **6:54**
